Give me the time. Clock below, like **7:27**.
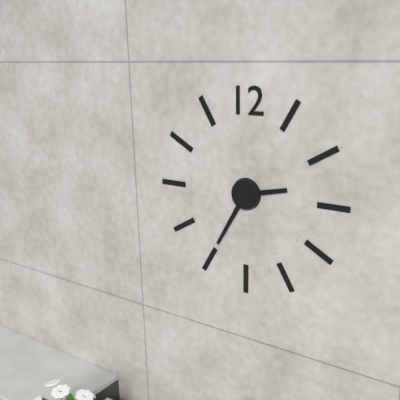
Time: **2:35**
